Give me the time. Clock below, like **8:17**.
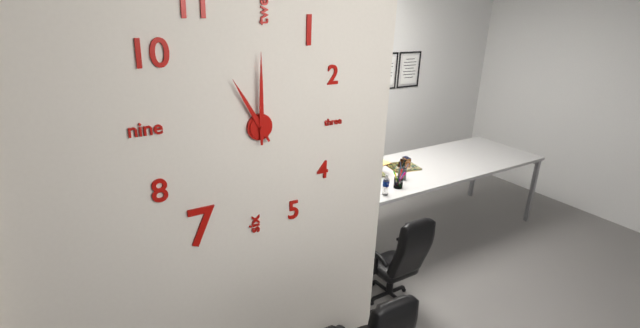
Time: **11:00**
